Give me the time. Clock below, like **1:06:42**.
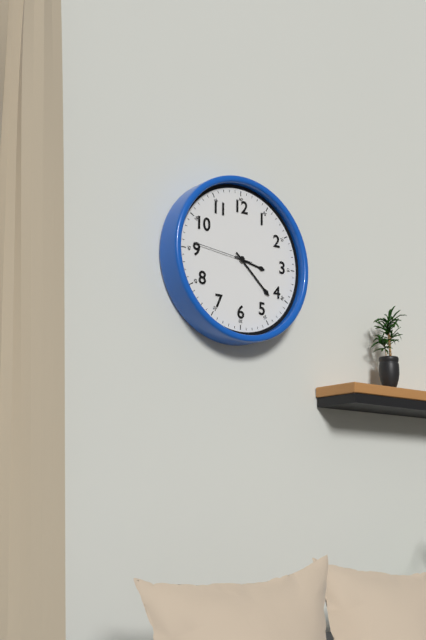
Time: **3:22:46**
